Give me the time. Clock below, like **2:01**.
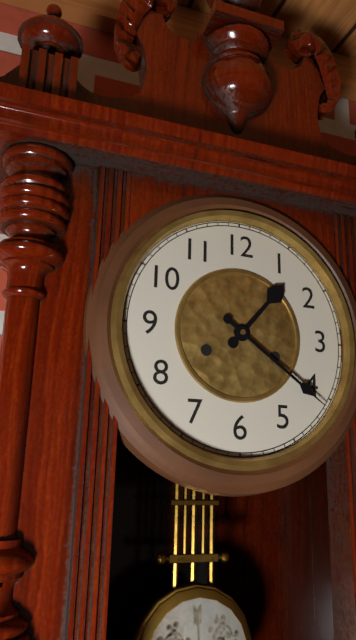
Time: **1:21**
